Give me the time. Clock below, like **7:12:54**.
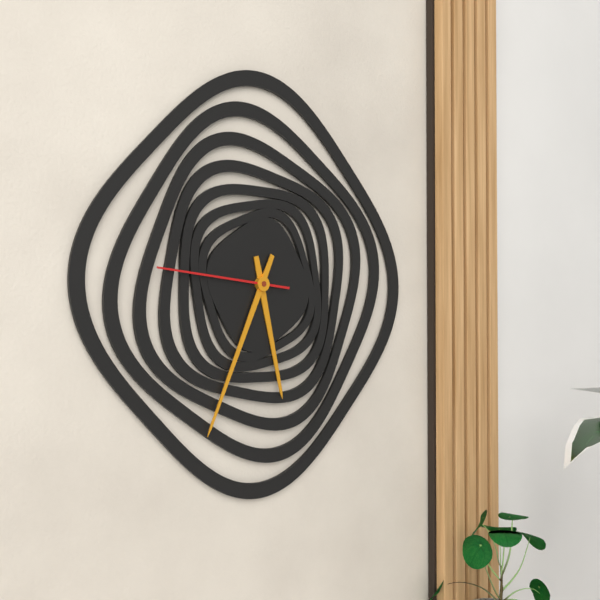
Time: **5:34:46**
